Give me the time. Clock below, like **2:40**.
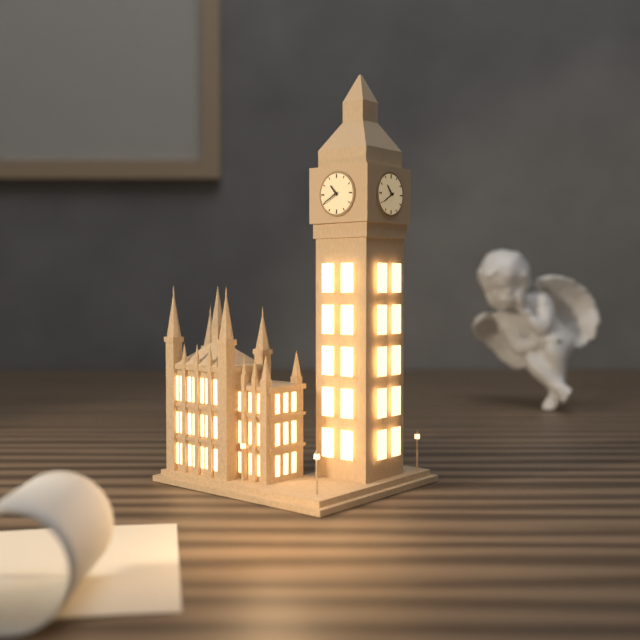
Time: **10:40**
